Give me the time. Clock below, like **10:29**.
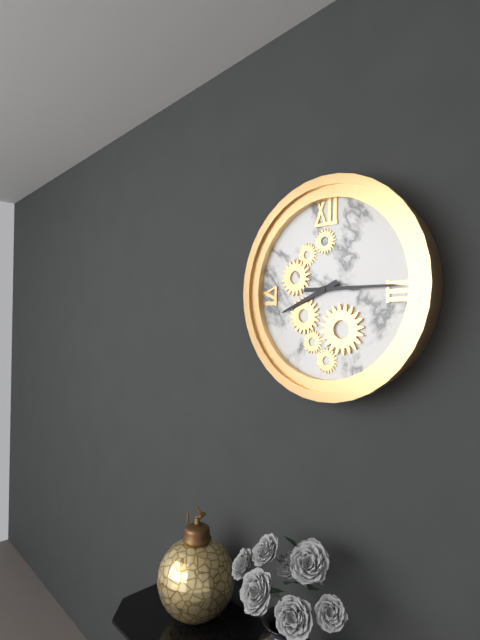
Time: **8:15**
